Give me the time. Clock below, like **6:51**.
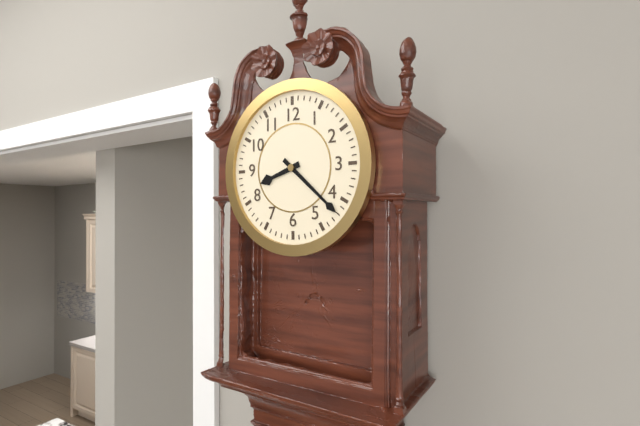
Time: **8:22**
